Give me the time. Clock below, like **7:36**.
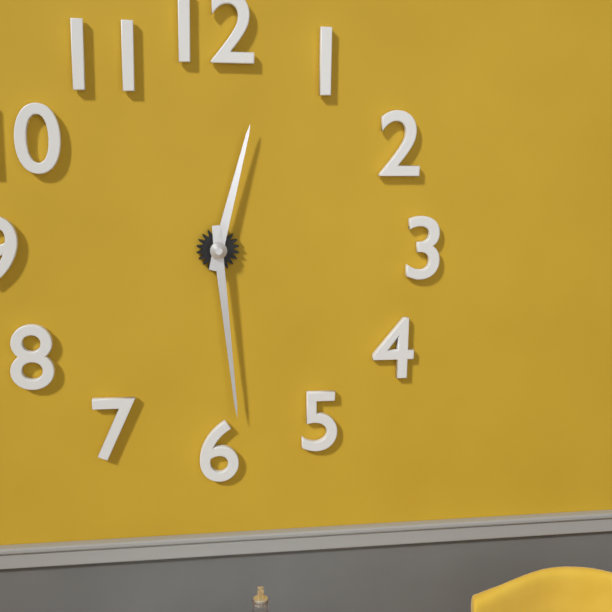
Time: **12:29**
